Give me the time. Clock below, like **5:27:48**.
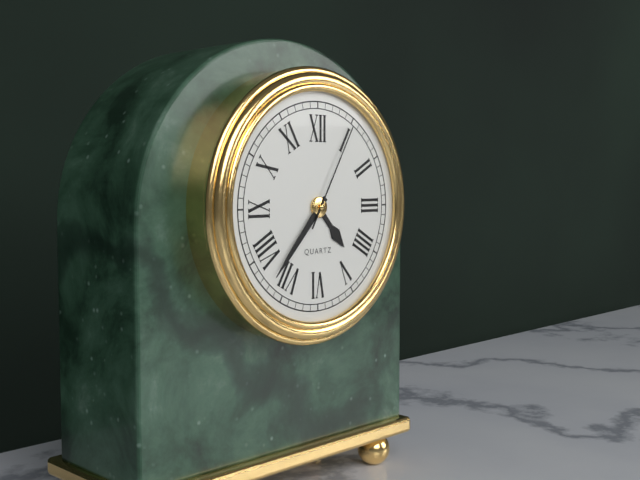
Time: **4:37:05**
